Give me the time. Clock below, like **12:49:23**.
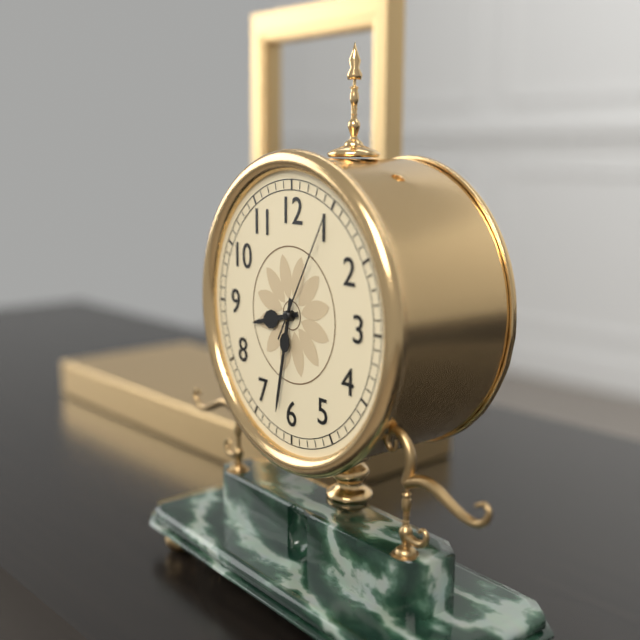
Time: **8:32:05**
